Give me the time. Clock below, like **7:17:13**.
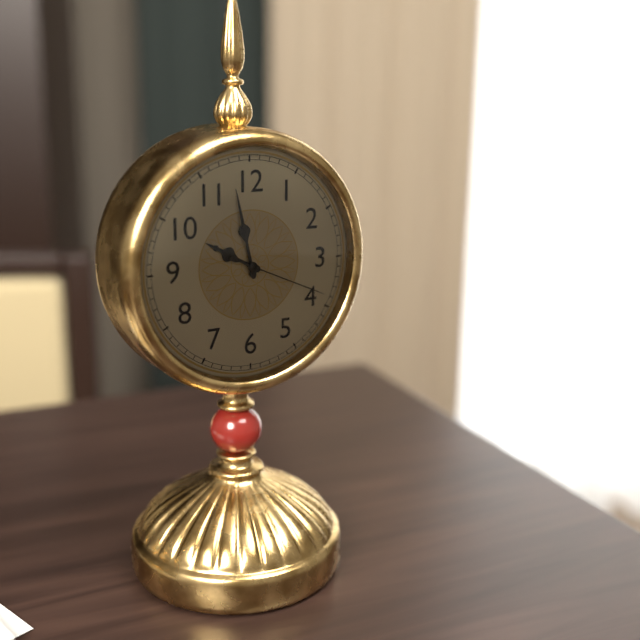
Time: **9:58:19**
